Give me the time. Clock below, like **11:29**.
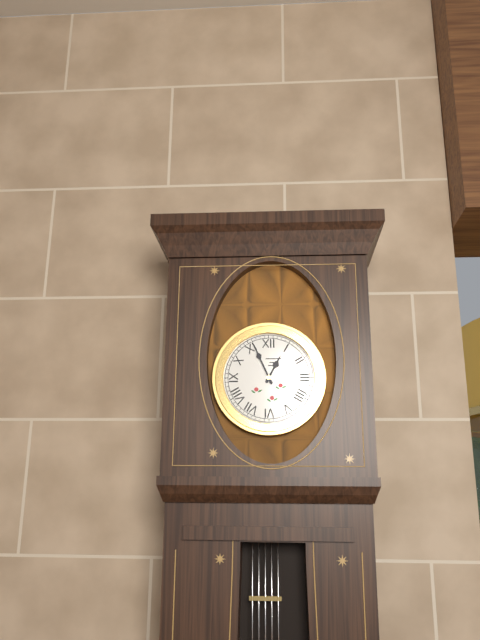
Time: **12:56**
